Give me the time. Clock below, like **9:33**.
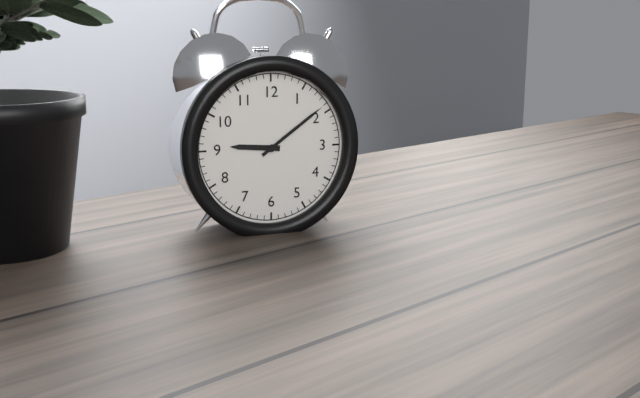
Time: **9:09**
